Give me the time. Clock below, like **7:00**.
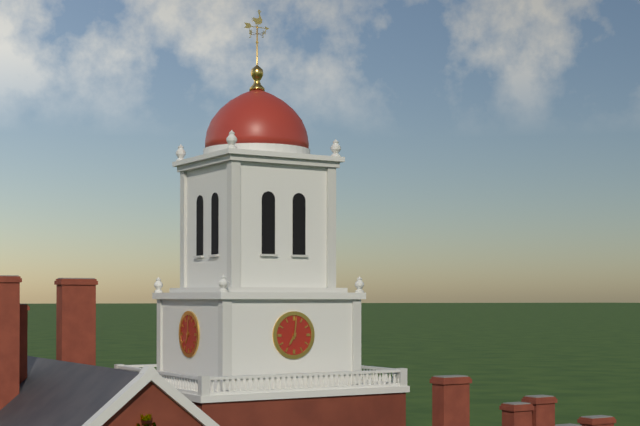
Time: **7:01**
